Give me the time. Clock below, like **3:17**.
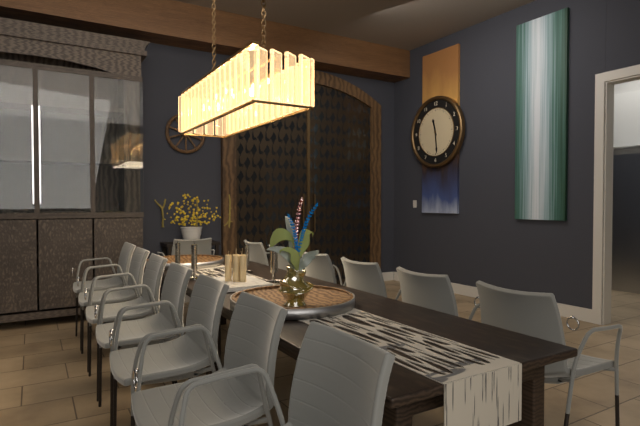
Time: **11:29**
